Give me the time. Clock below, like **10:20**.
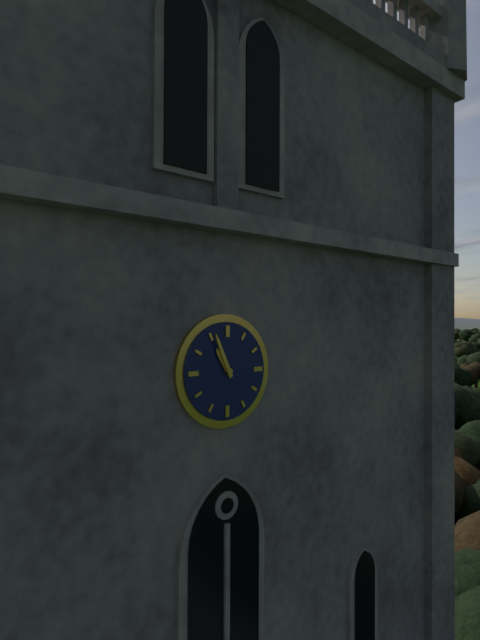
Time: **10:56**
